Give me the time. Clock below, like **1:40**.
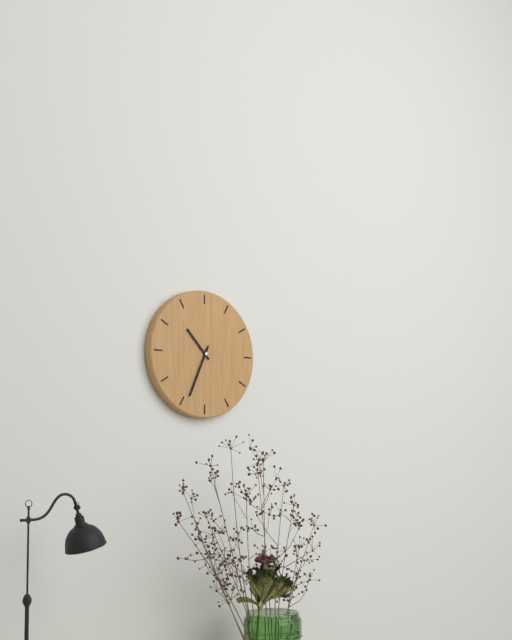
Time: **10:34**
